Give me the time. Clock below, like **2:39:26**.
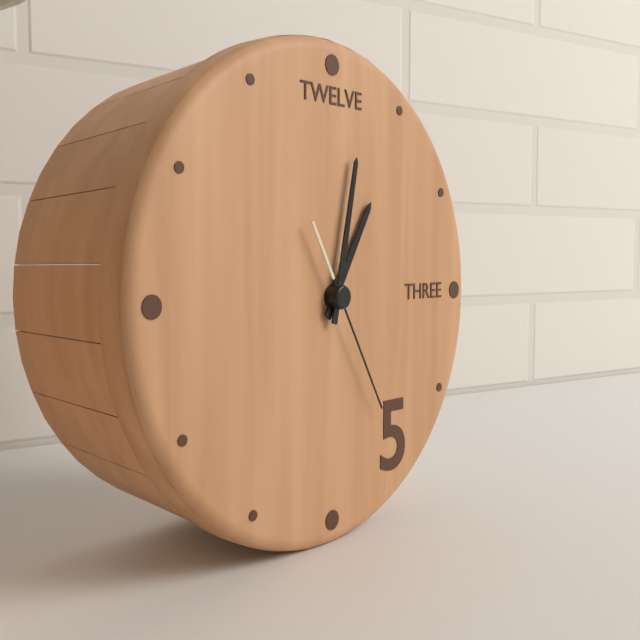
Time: **1:02:25**
